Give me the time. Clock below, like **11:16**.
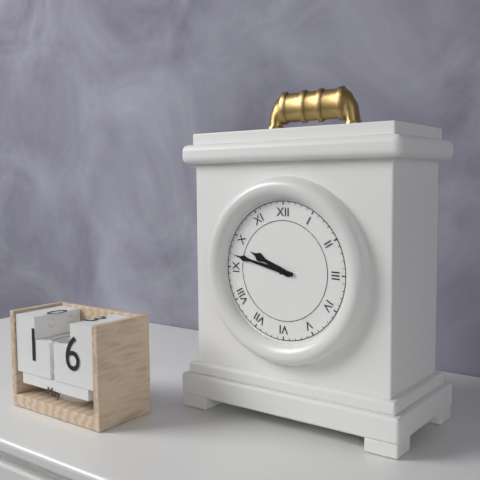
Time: **9:47**
